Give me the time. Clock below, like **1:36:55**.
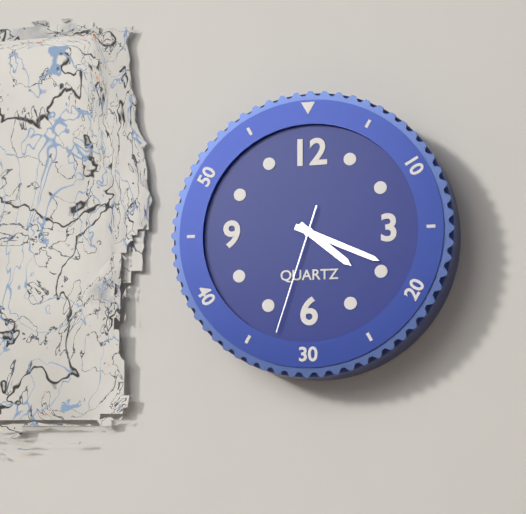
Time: **4:19:33**
